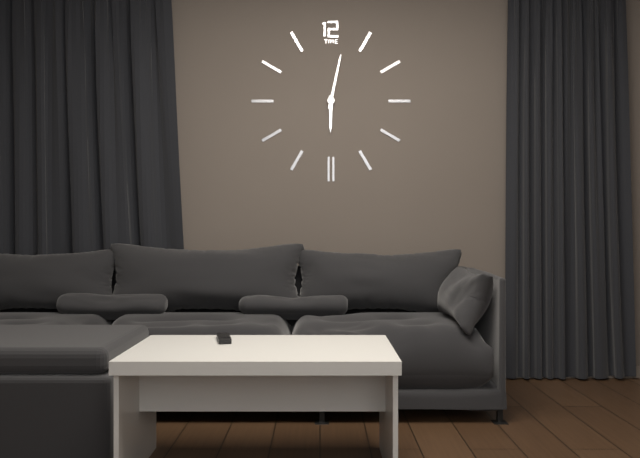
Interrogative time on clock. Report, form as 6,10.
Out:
6,02
